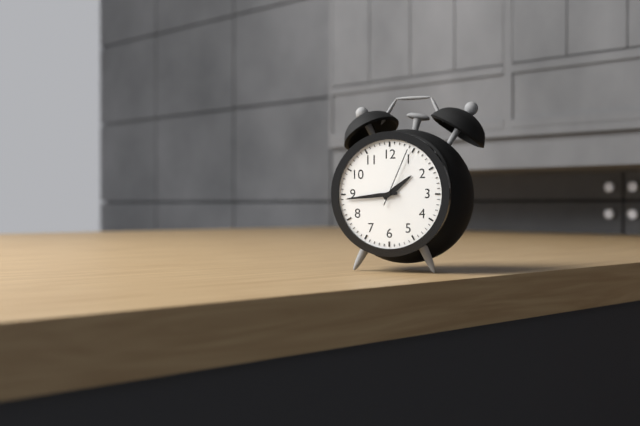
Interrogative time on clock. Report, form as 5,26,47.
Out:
1,44,04
